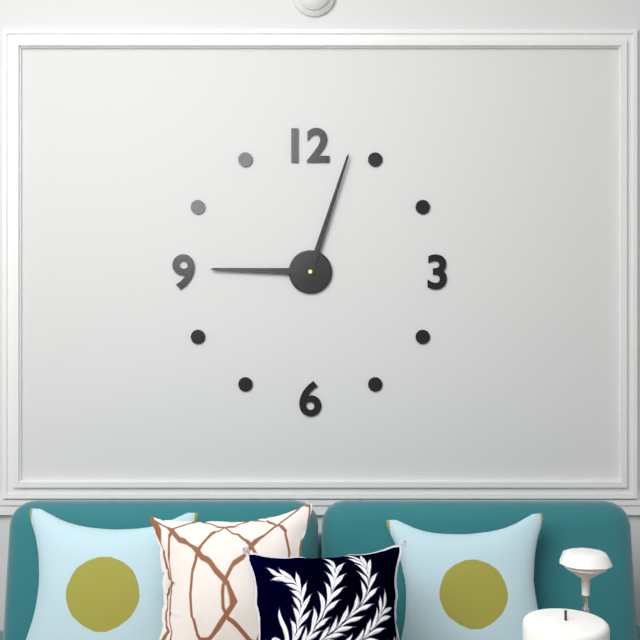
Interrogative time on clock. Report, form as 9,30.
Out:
9,03
